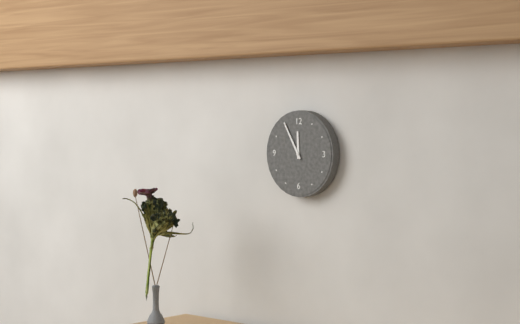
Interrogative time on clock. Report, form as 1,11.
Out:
11,55
